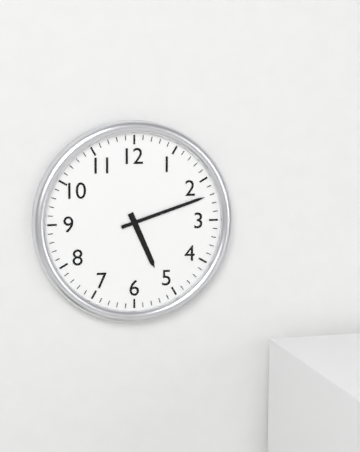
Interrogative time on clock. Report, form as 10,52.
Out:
5,12
